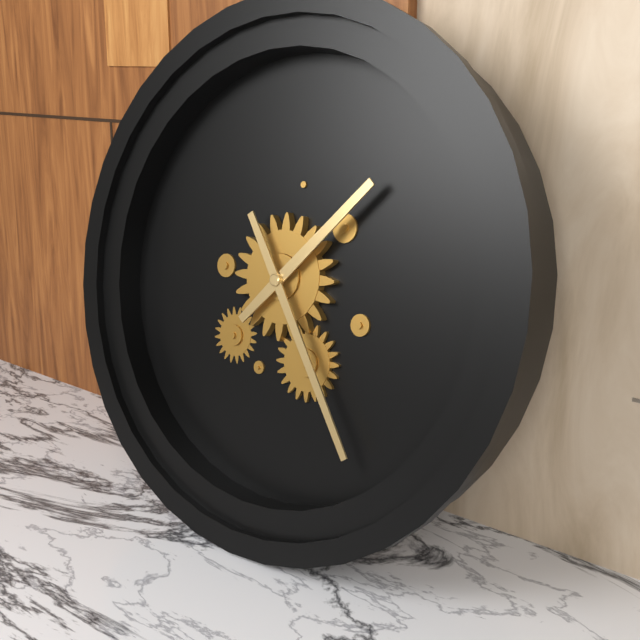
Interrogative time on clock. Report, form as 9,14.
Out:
1,24
